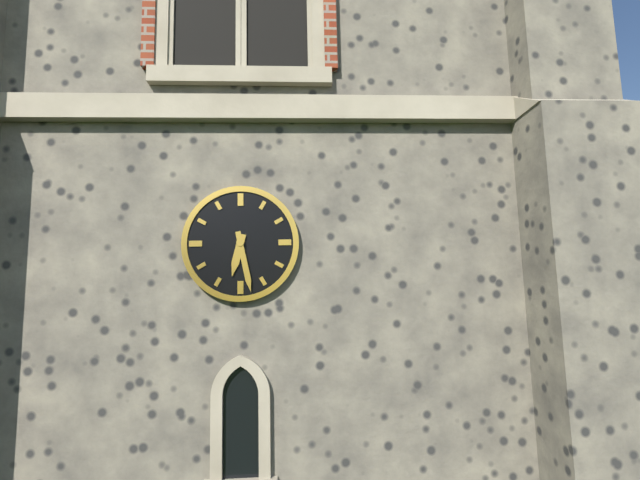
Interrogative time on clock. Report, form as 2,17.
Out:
6,28
